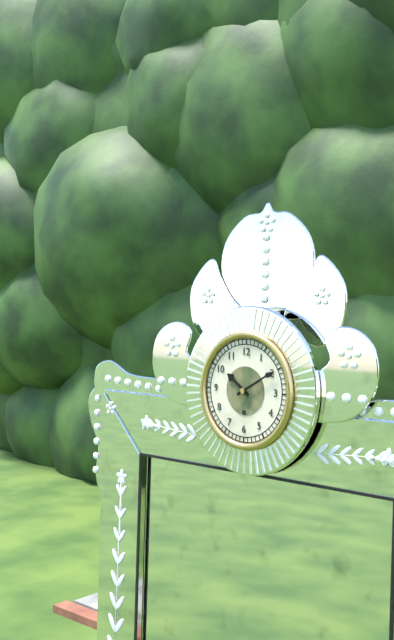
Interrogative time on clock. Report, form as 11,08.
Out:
10,10
